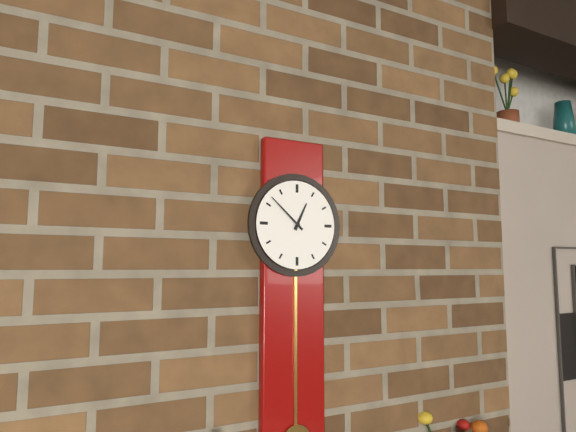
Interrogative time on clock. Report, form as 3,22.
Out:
12,52
